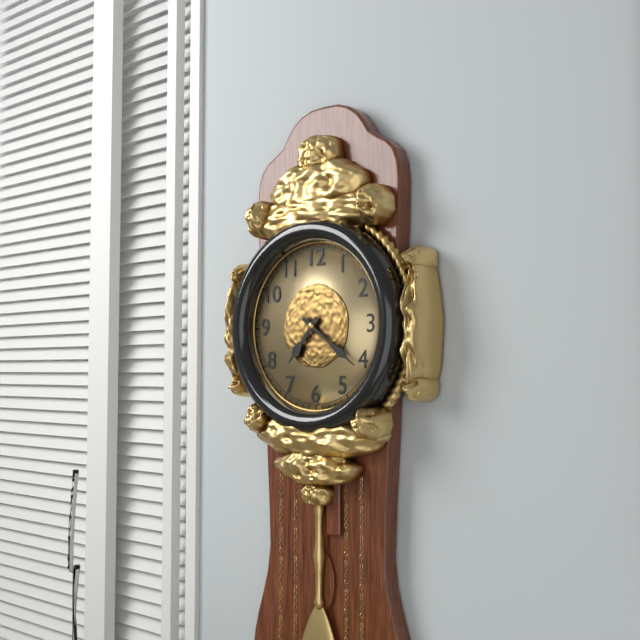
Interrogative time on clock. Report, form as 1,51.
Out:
7,21
